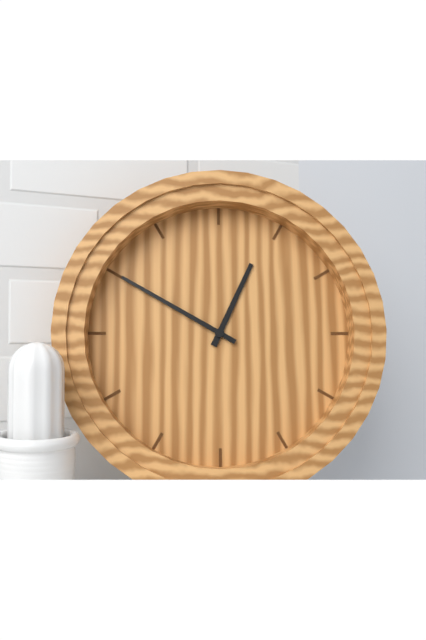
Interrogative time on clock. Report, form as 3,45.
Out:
12,50
